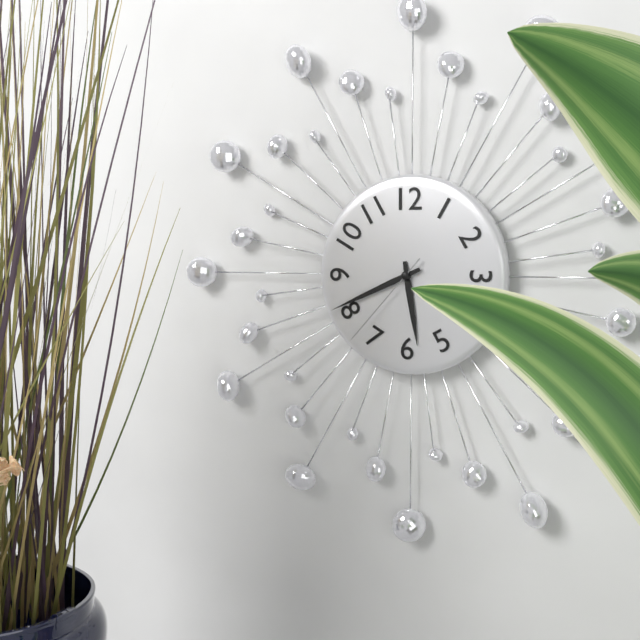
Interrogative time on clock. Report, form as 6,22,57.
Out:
5,41,37
